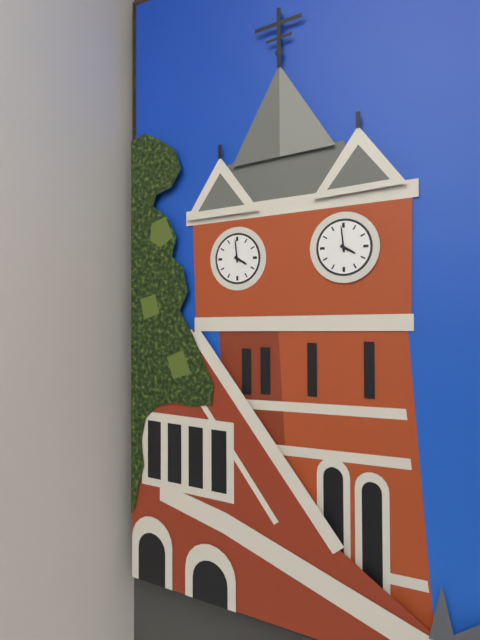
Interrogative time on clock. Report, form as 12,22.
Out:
3,59
